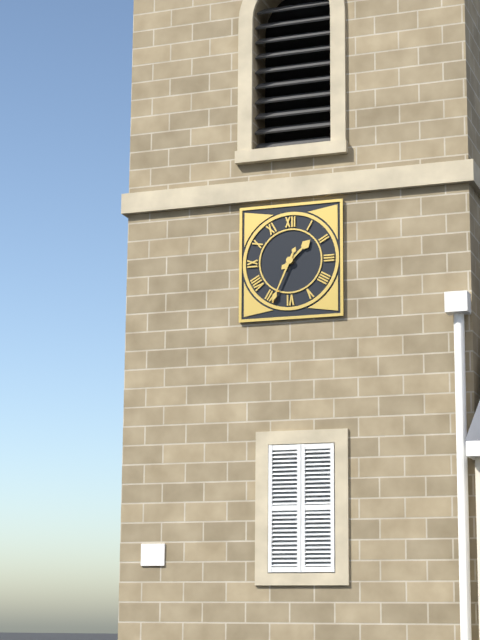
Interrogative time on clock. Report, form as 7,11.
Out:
1,34
